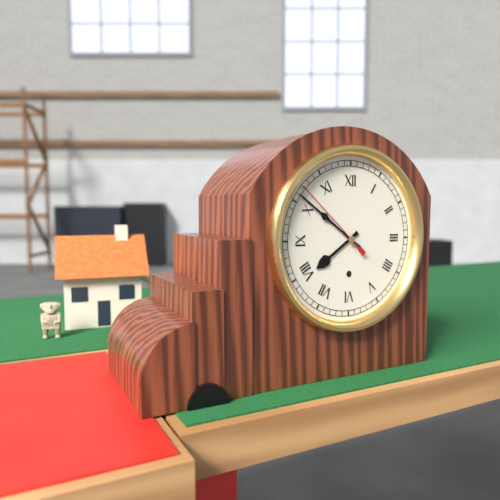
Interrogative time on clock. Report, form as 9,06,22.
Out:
7,51,52
